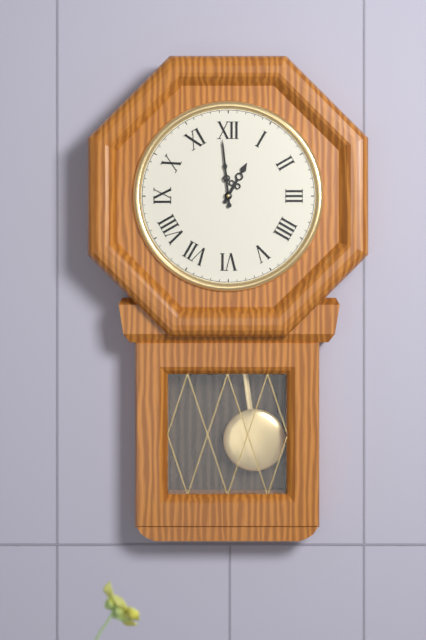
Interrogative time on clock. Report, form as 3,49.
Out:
12,59
